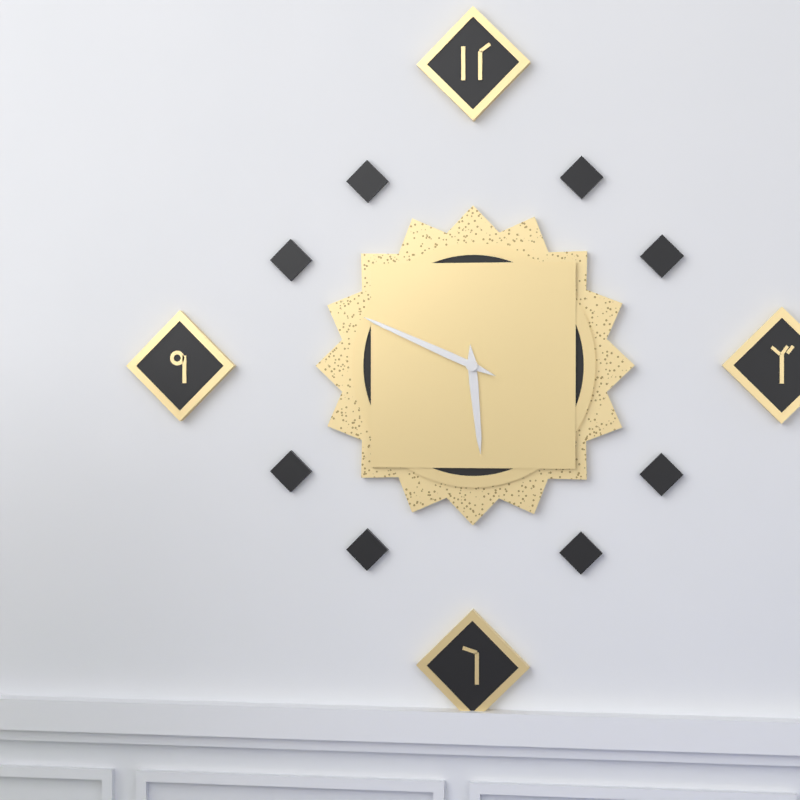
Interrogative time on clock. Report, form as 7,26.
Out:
5,49
